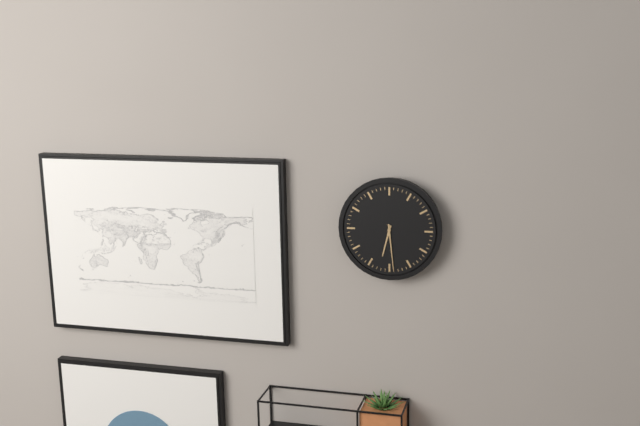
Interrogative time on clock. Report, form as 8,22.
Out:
6,29
